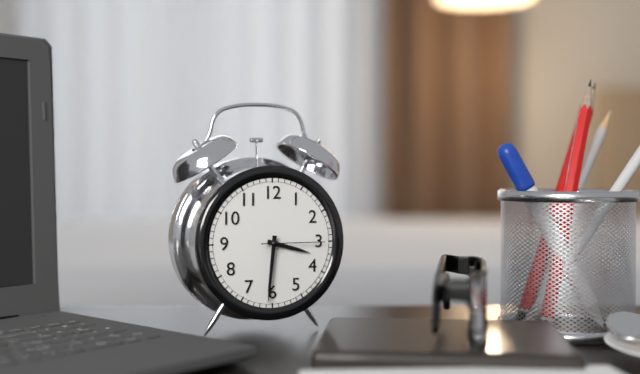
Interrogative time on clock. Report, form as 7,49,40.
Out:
3,31,15
